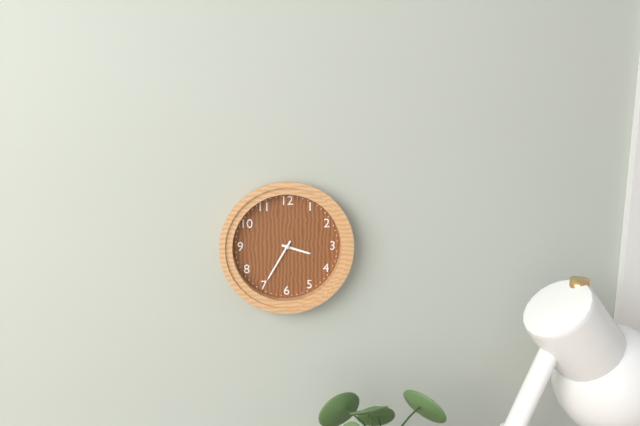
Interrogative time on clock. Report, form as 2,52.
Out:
3,35
